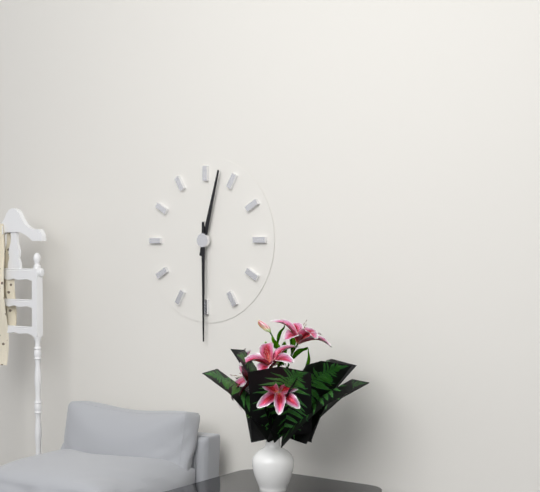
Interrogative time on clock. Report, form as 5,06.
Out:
12,30
